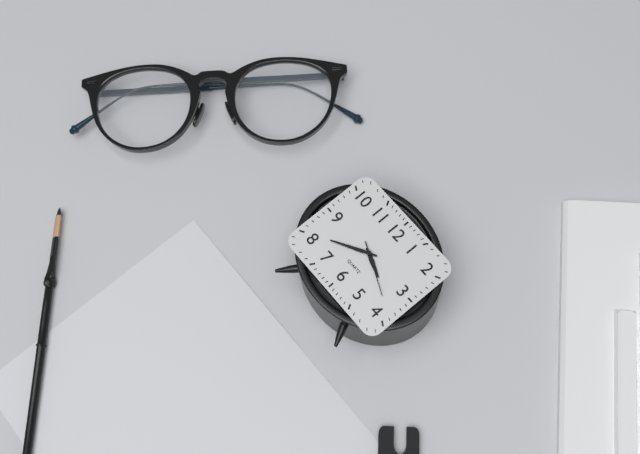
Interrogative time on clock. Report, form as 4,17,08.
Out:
3,40,19
